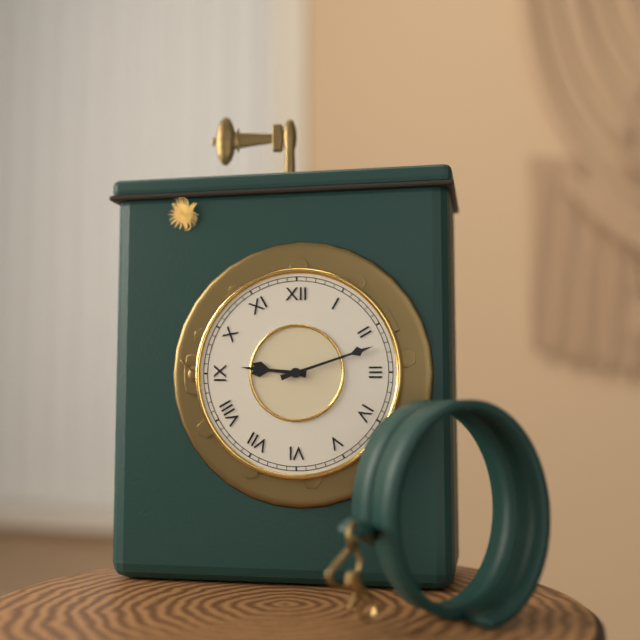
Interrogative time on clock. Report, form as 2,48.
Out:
9,12
